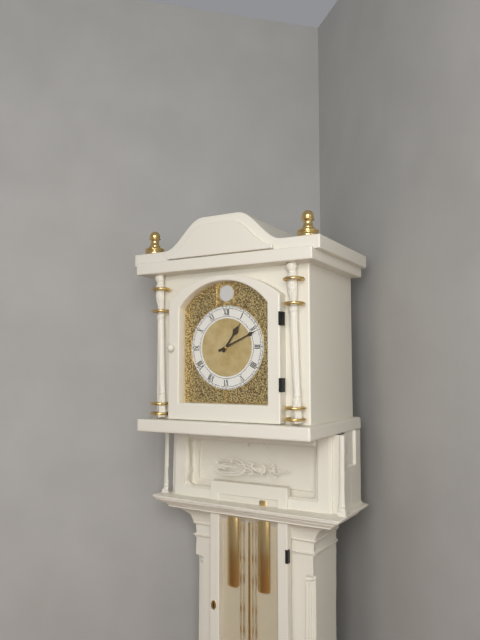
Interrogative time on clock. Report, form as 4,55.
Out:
1,11
